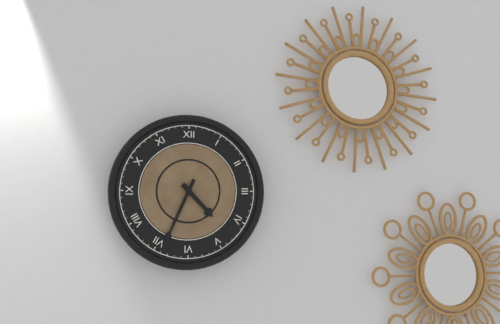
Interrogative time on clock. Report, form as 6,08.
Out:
4,34
